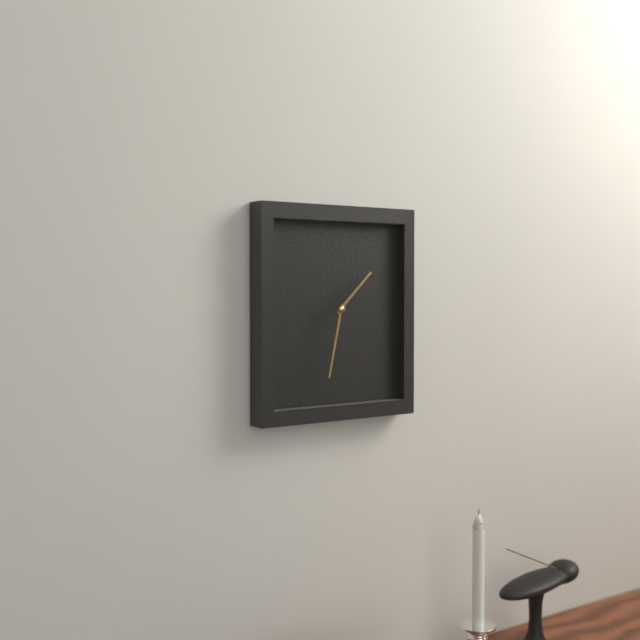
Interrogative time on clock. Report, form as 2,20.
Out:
1,32
